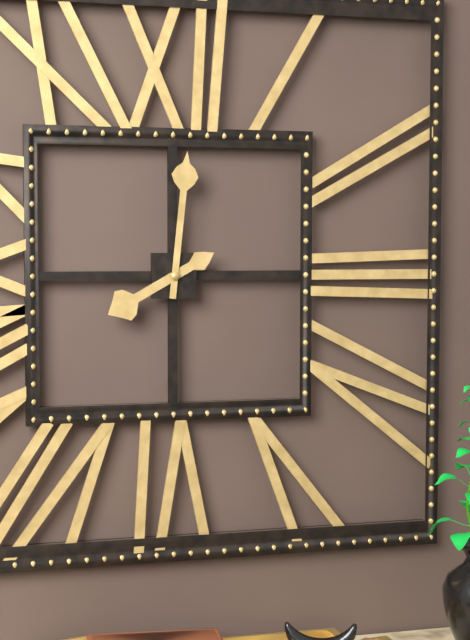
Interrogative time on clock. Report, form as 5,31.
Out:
8,01
